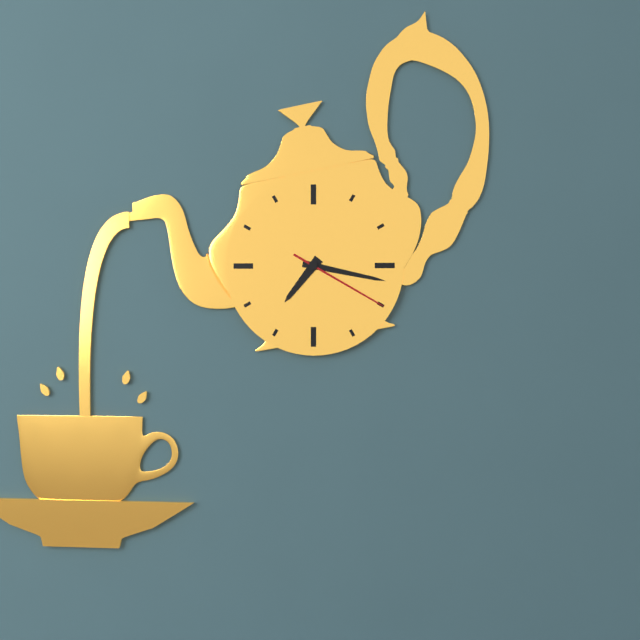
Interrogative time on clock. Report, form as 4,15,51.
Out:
7,17,20
